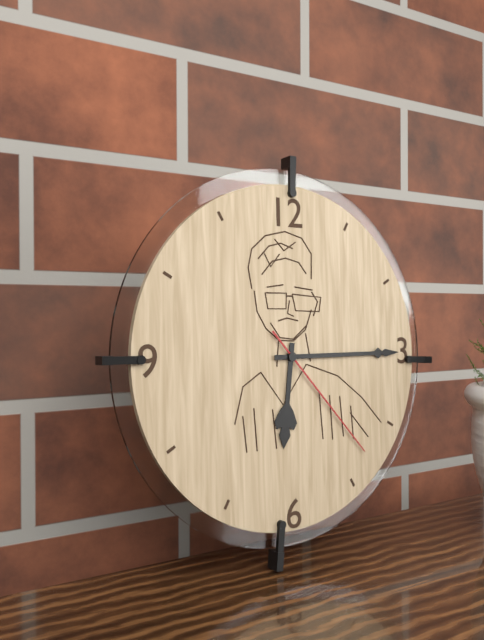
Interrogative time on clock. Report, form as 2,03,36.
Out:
6,15,23
